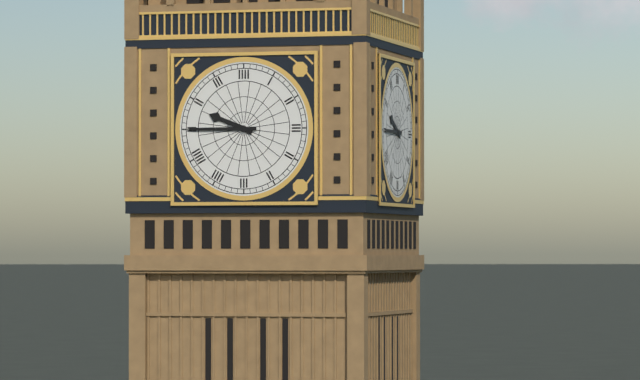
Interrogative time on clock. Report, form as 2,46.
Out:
9,45
